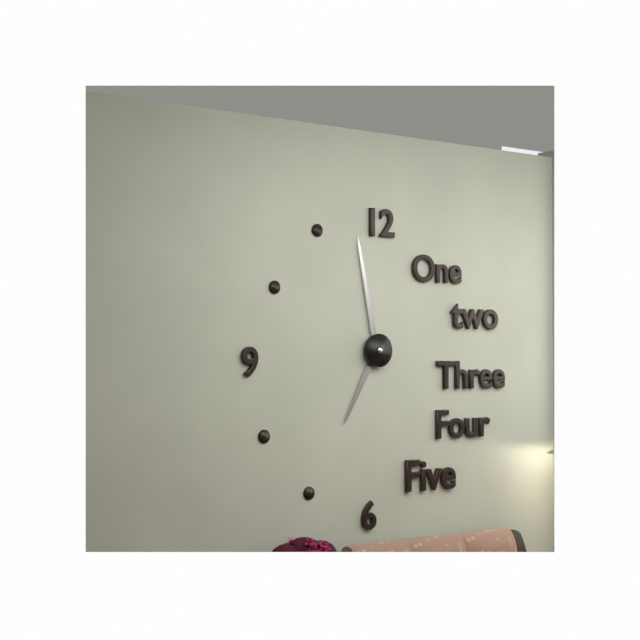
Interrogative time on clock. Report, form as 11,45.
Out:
6,58
